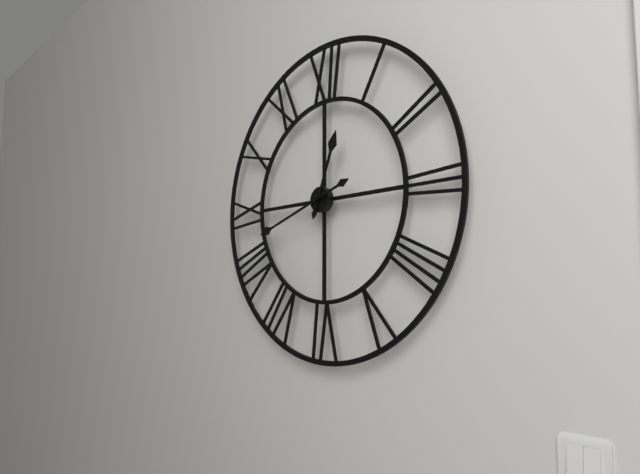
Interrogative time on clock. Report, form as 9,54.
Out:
12,42
